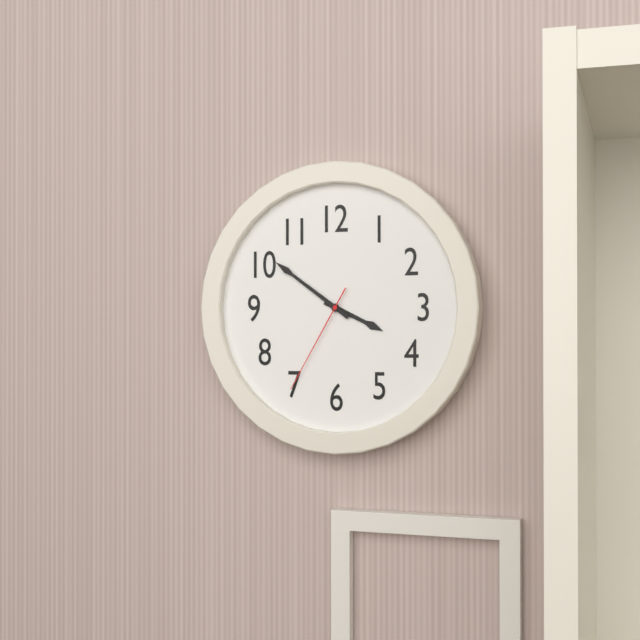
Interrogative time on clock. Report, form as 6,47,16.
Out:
3,51,35
